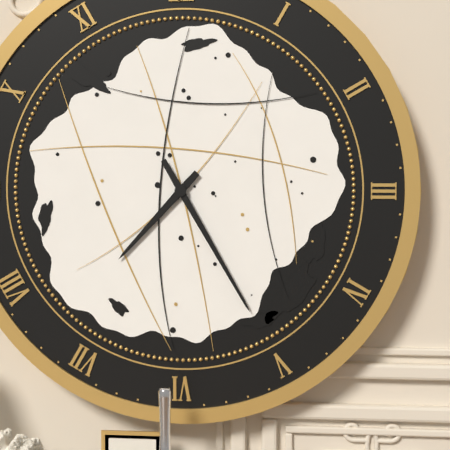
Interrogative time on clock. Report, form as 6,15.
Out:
7,25
